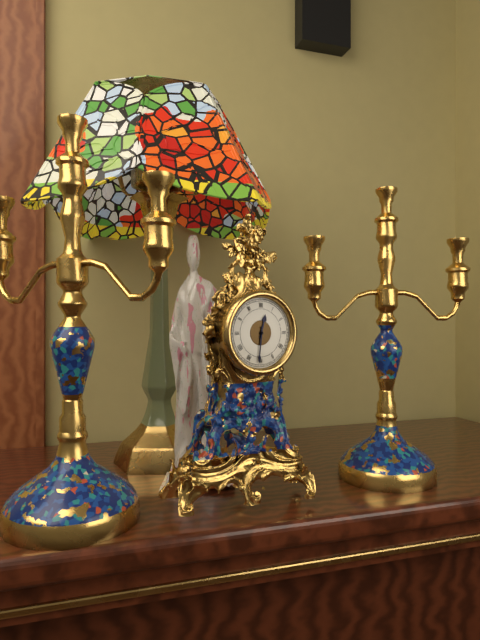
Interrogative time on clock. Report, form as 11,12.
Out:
12,31
